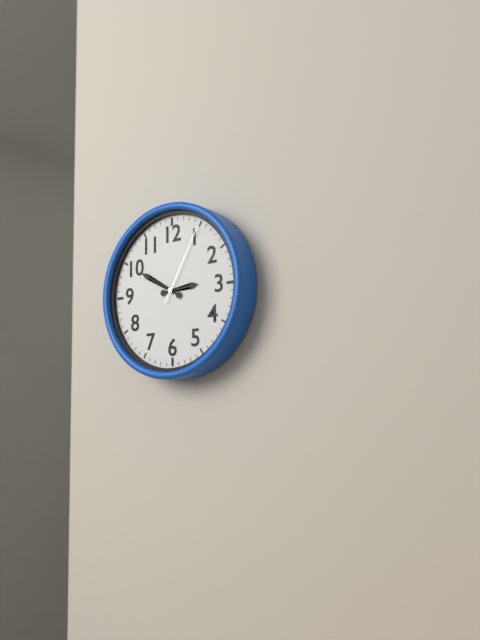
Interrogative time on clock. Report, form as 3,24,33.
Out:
2,50,05
